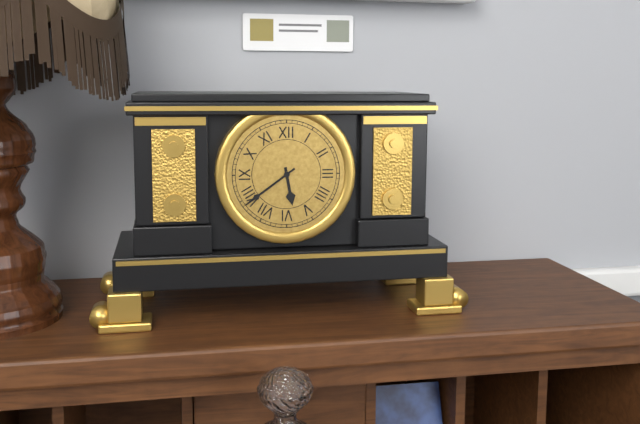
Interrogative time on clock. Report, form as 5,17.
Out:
5,39
